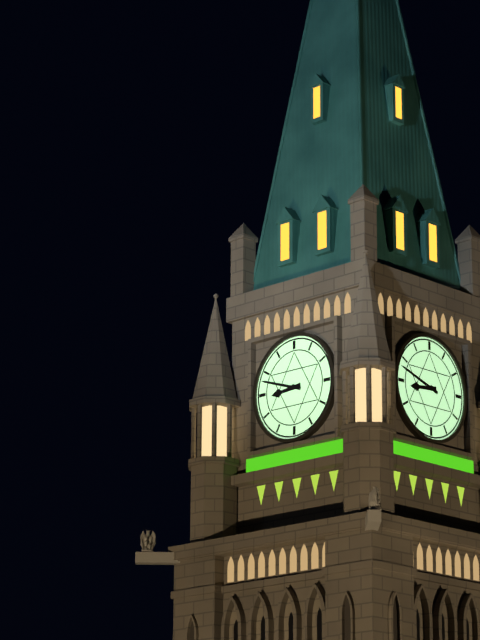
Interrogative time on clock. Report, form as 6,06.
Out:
8,48
